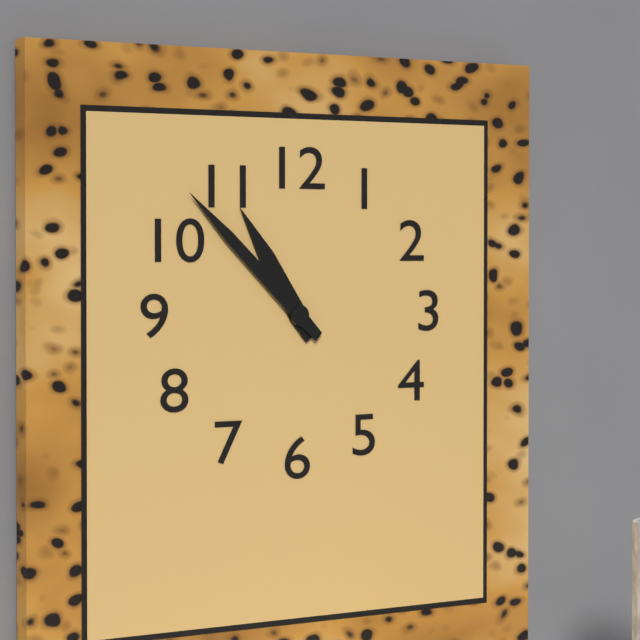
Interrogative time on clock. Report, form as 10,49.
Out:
10,52
